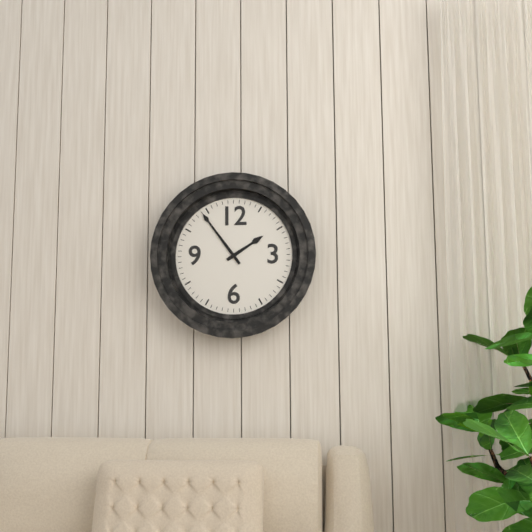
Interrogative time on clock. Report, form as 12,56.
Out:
1,54
